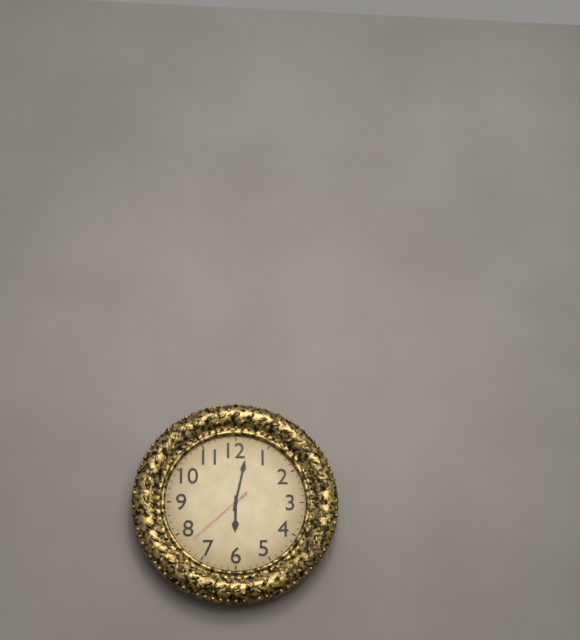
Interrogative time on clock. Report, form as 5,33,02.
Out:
6,02,38
